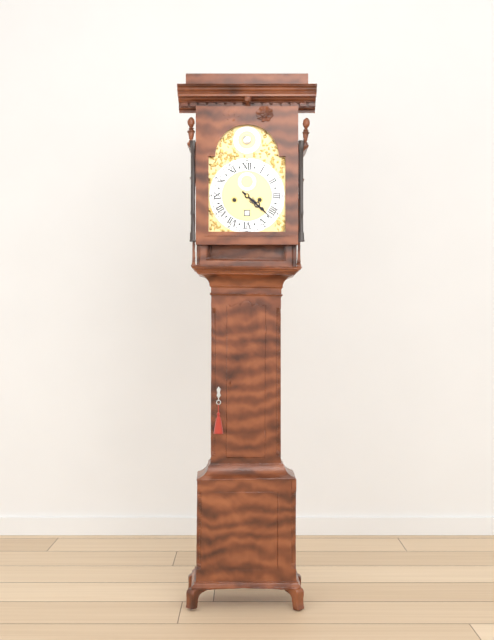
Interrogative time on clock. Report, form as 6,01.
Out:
4,22
